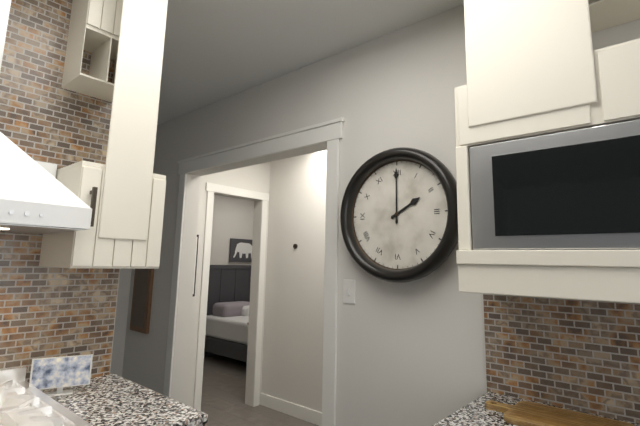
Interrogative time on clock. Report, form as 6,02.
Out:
2,00
